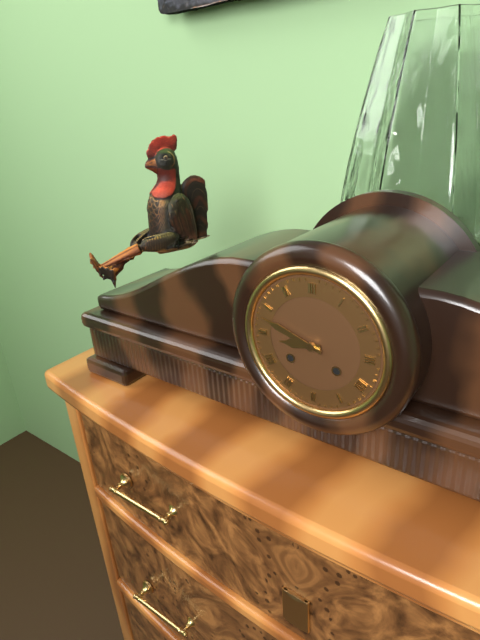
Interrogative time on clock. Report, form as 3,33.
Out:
8,48
